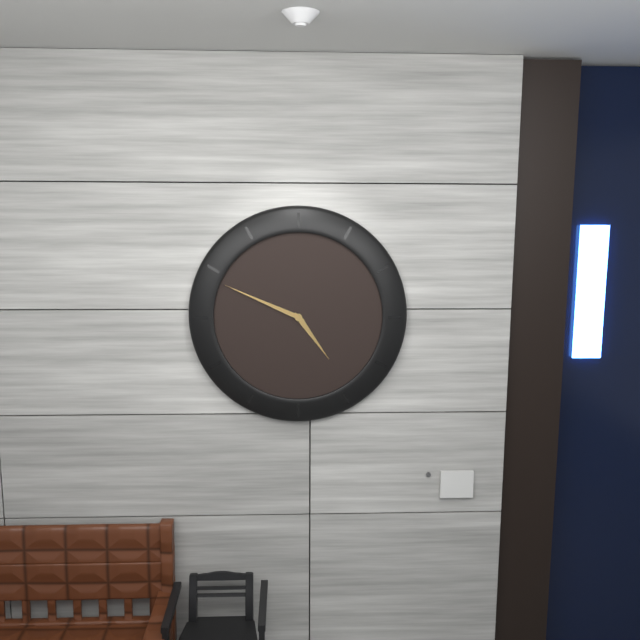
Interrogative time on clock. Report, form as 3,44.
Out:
4,49
